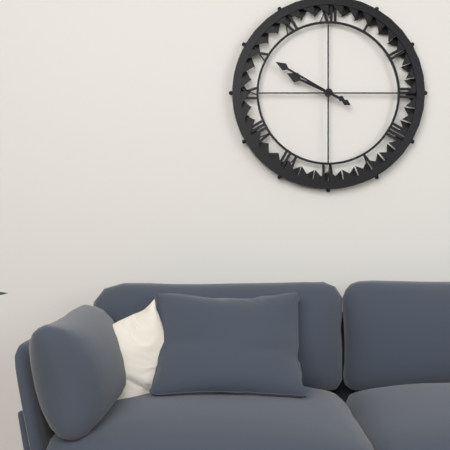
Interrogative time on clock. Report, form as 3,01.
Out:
9,50
